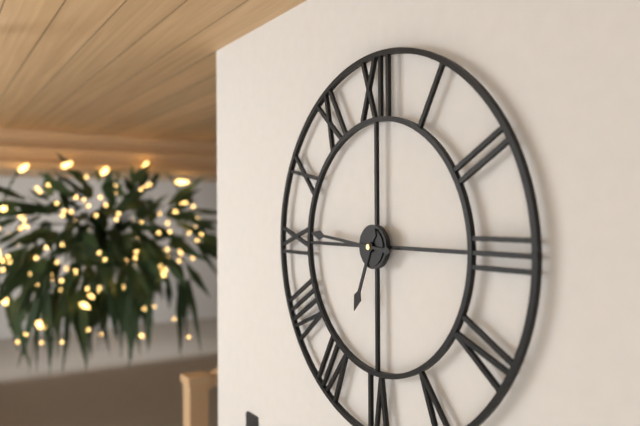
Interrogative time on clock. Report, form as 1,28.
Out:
6,46
